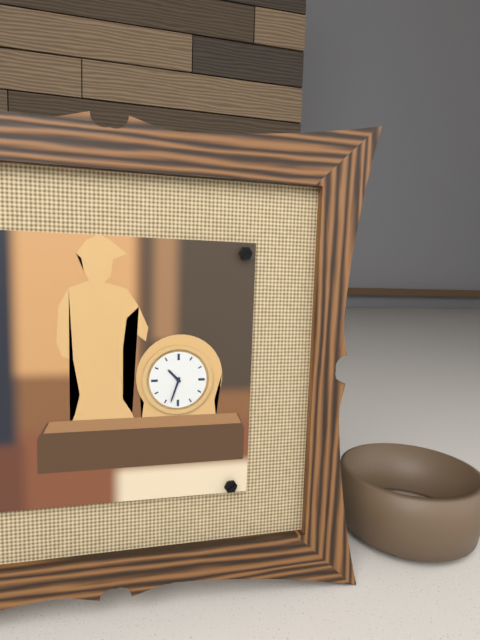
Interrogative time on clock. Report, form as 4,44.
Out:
10,33
